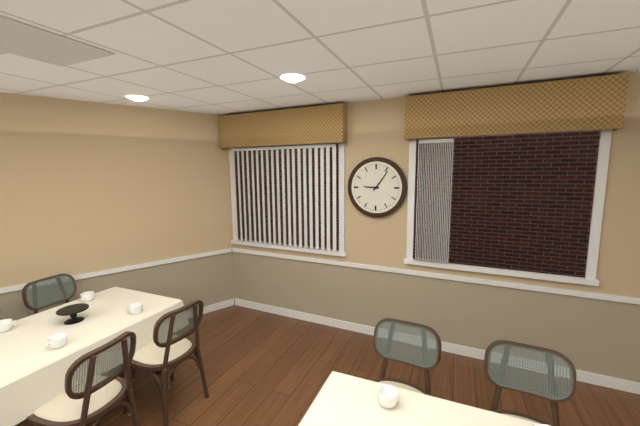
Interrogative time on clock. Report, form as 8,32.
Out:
9,06
